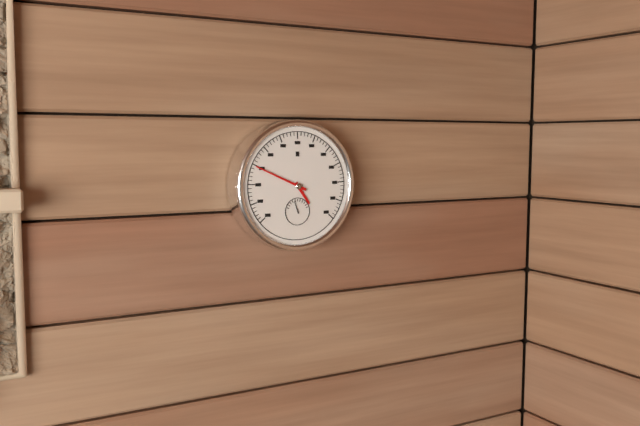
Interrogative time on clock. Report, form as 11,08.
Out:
4,49
